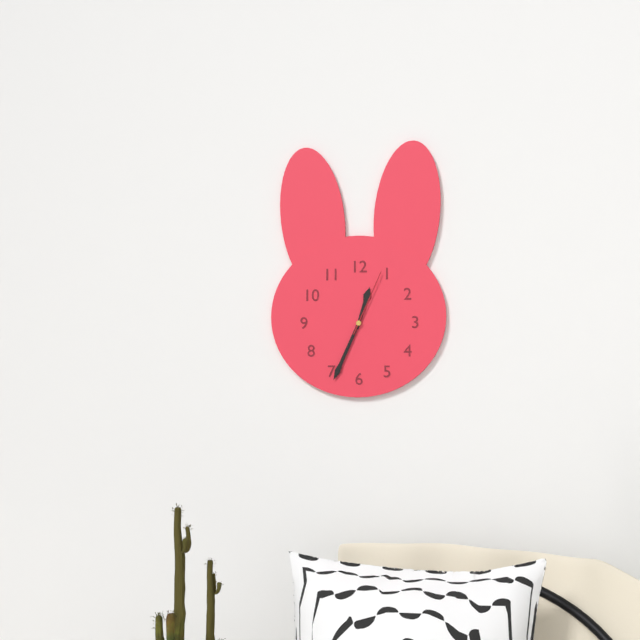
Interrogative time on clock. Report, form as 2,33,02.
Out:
12,34,04
